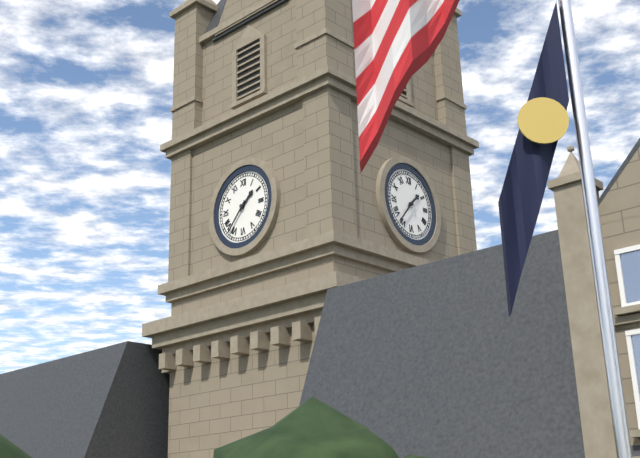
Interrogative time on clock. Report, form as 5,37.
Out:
1,37
